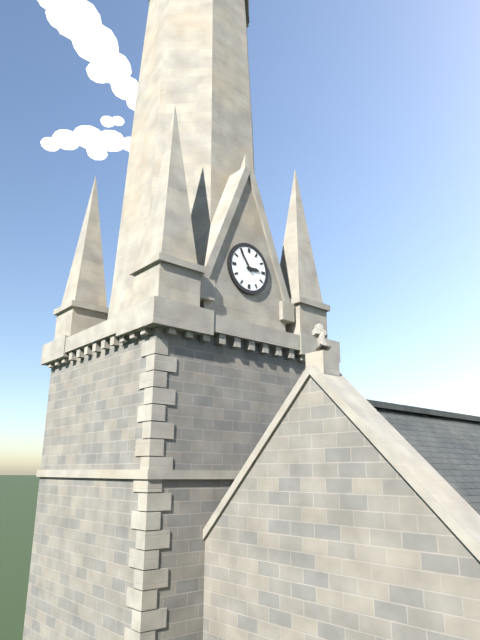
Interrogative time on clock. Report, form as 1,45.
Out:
2,54
